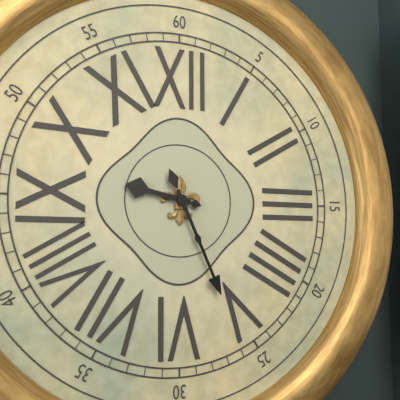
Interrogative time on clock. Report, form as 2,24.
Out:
9,26
